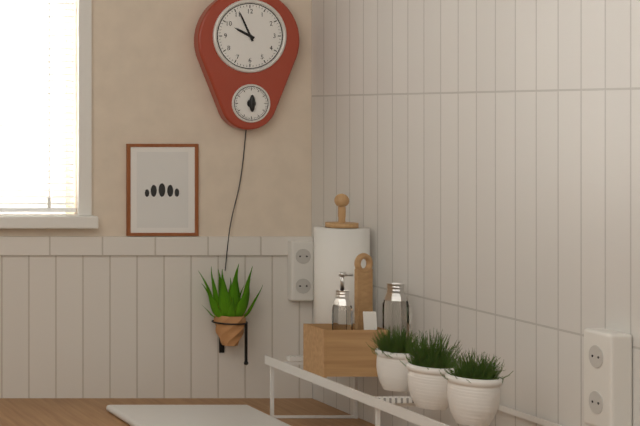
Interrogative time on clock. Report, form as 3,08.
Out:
9,56
